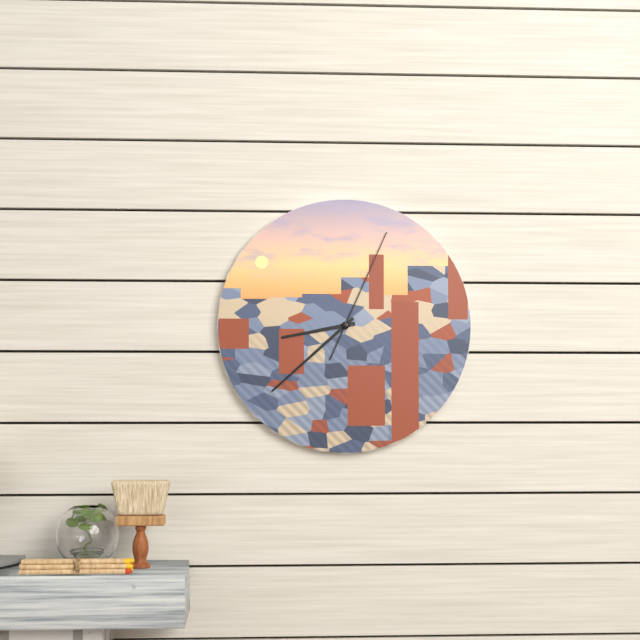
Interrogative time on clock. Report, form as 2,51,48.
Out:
8,38,04
